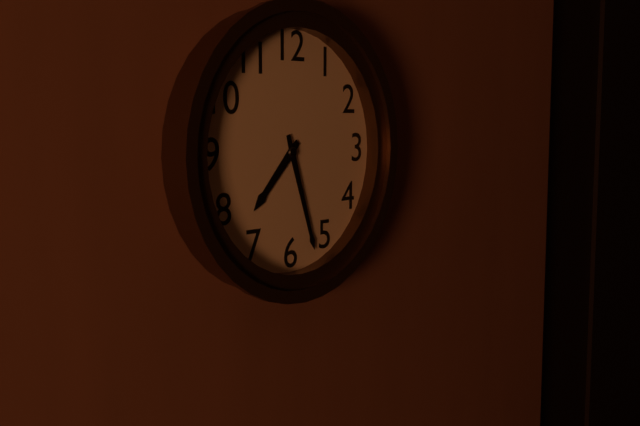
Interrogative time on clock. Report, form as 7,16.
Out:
7,27
